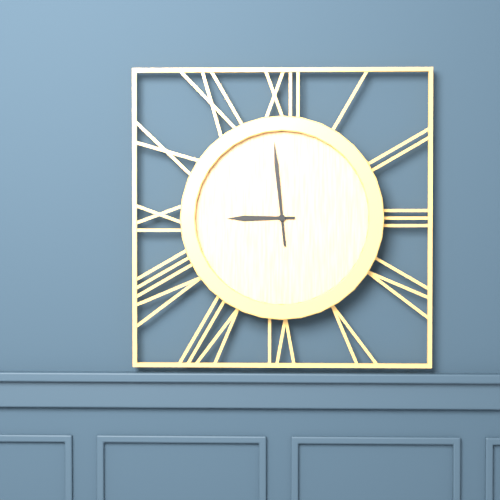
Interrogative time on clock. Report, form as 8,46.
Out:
8,59
